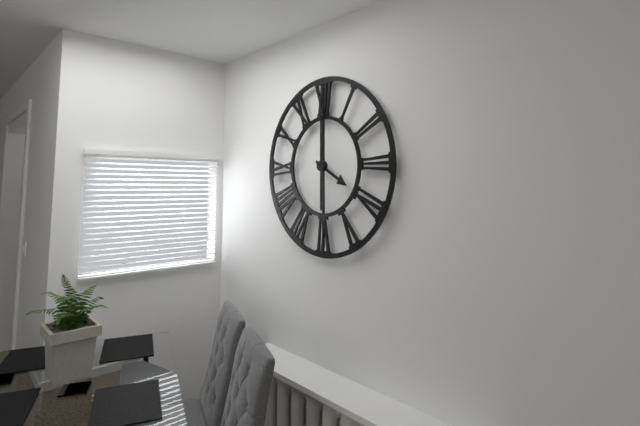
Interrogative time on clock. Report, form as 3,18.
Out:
4,00
